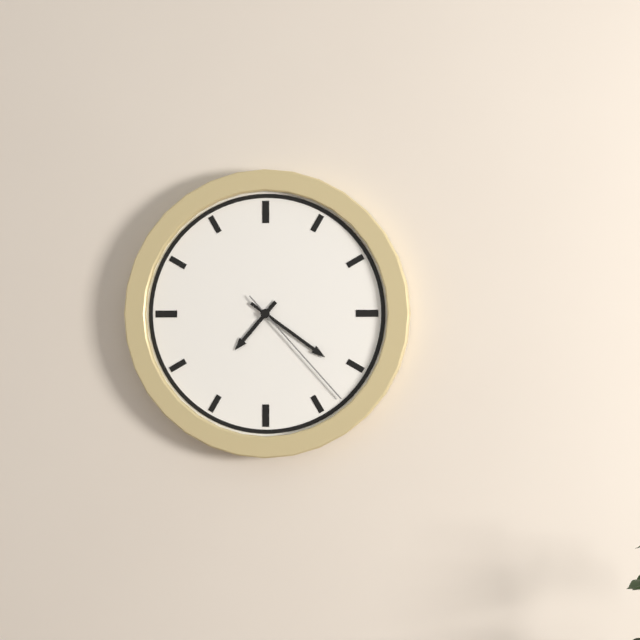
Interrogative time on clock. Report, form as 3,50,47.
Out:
7,21,23
